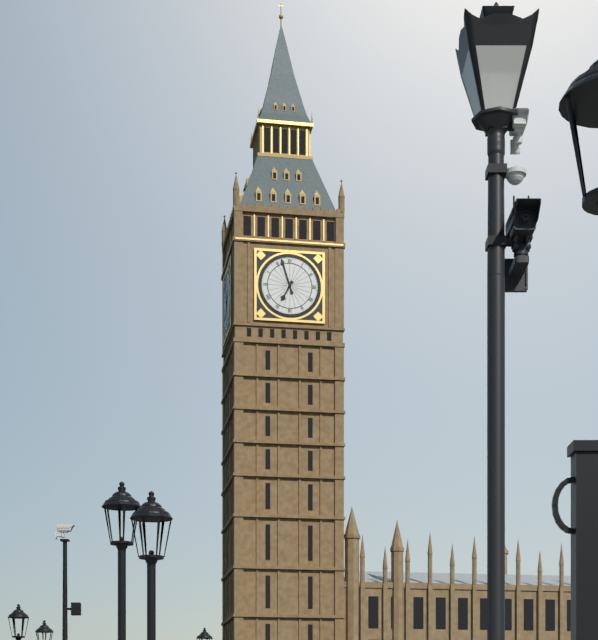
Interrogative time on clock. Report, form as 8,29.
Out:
6,57
